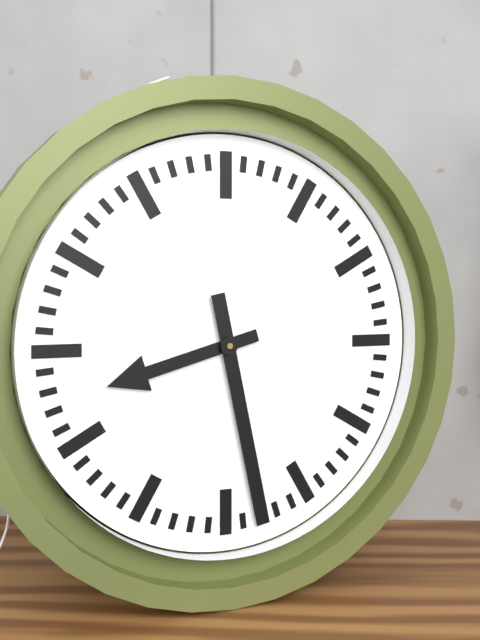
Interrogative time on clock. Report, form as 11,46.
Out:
8,28
